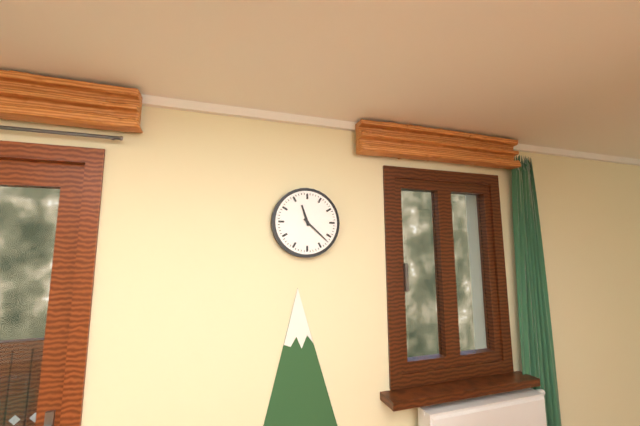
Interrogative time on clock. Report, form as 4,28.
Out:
11,22
